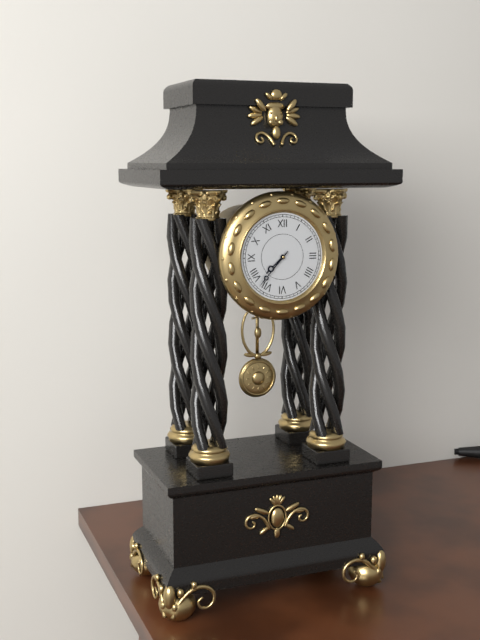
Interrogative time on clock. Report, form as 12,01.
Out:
7,37
